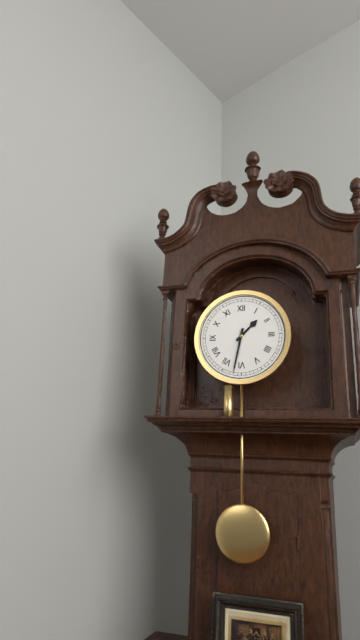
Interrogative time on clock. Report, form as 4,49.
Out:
1,32
